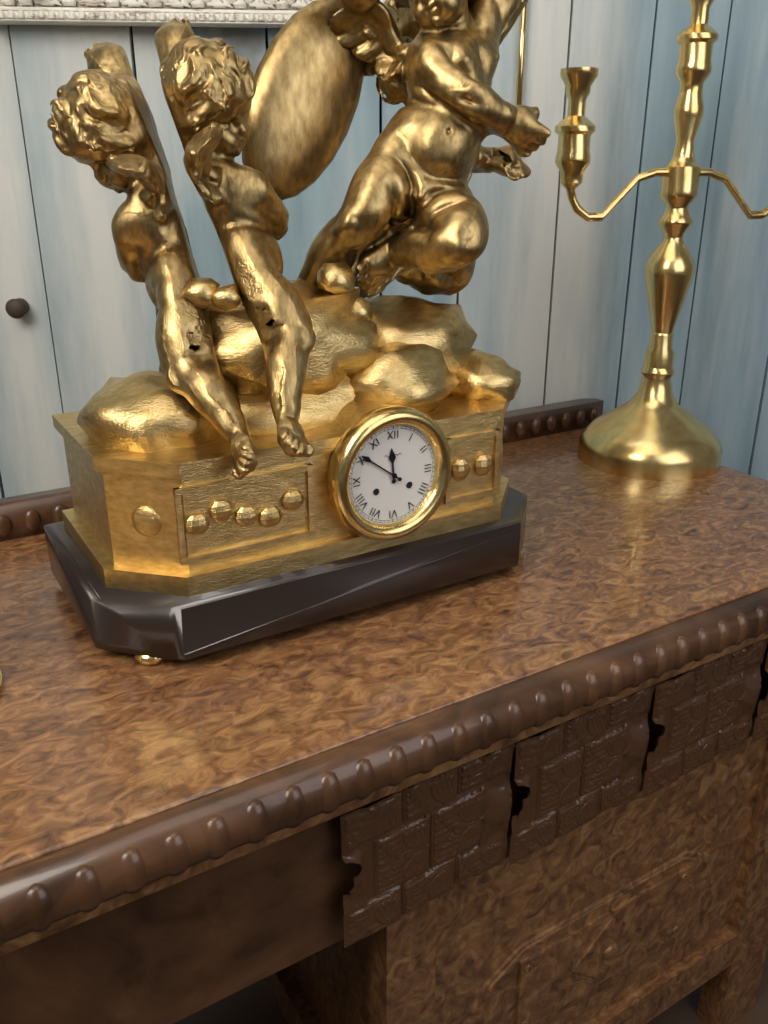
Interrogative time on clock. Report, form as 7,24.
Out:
11,51
